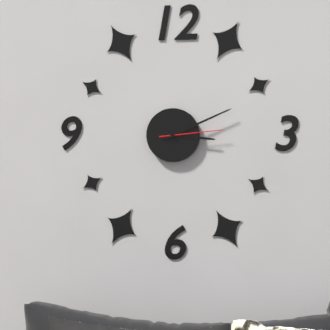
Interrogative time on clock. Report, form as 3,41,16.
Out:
3,11,14
